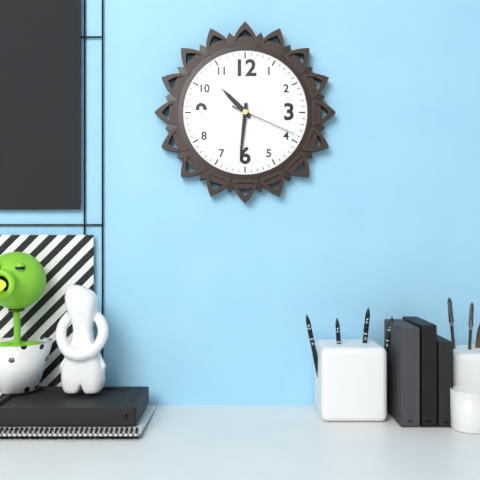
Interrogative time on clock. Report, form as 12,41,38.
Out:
10,31,19
